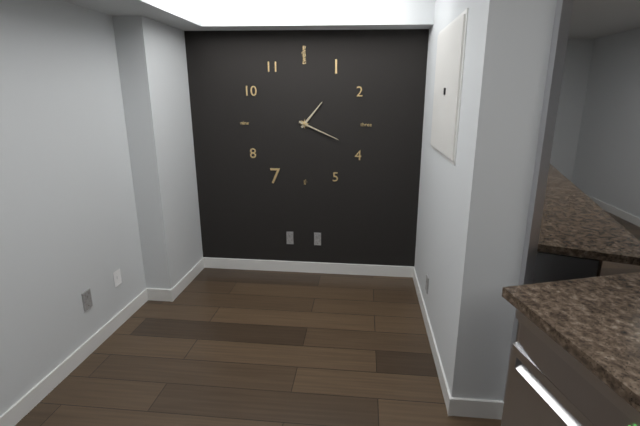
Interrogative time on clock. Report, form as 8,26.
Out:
1,19
